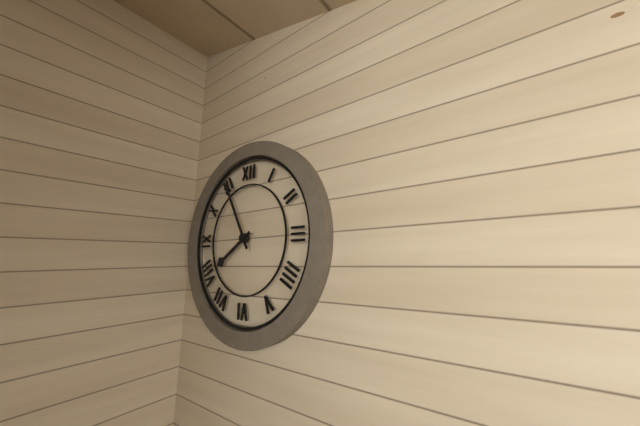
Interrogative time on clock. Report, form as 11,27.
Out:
7,55
